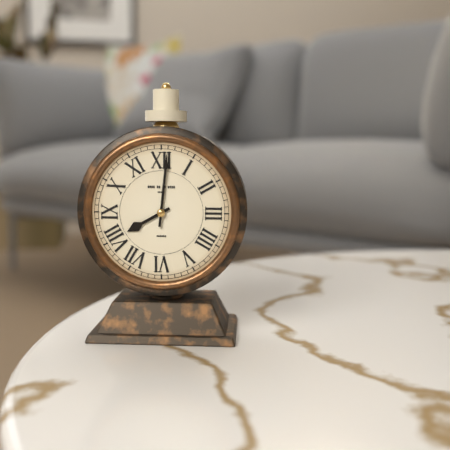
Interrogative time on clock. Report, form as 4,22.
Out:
8,01
